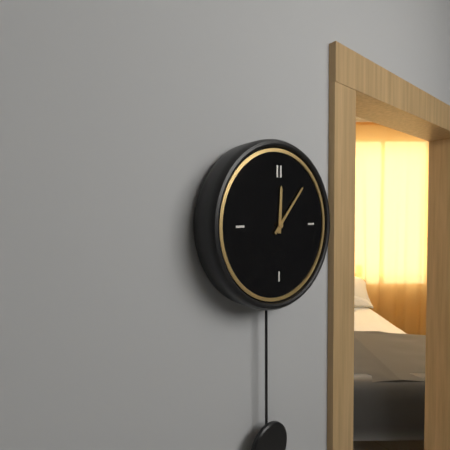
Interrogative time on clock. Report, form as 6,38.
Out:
12,07
